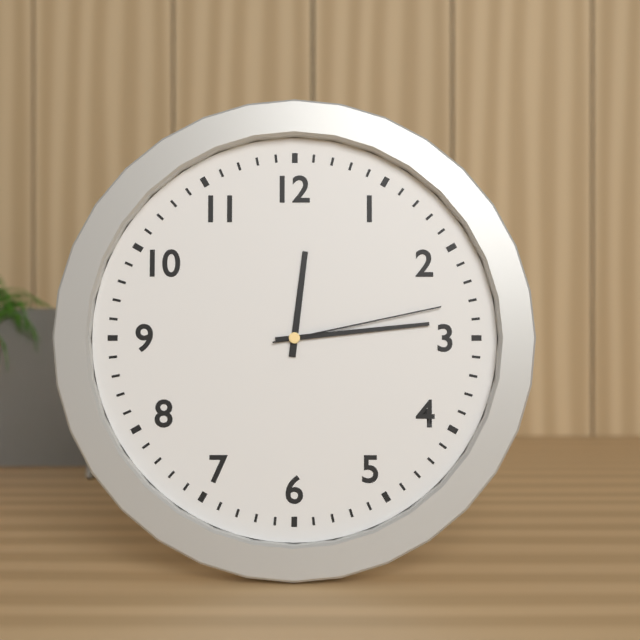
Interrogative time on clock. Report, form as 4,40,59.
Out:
12,14,13
